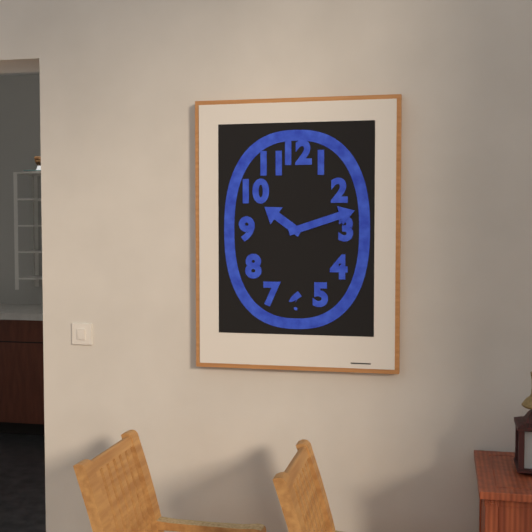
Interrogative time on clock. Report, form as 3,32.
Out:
10,12
